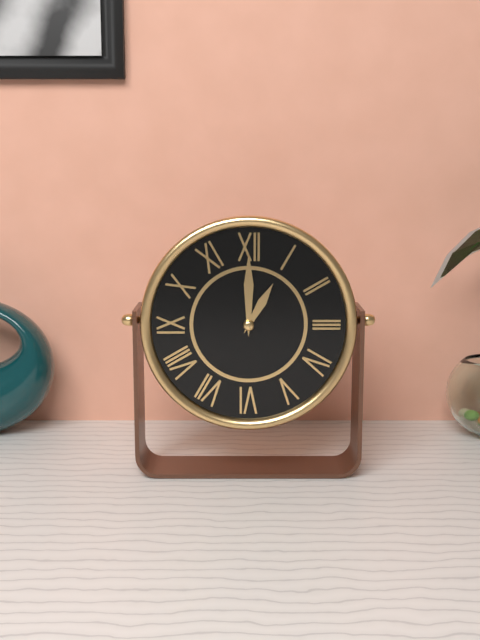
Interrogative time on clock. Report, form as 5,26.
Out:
1,00
